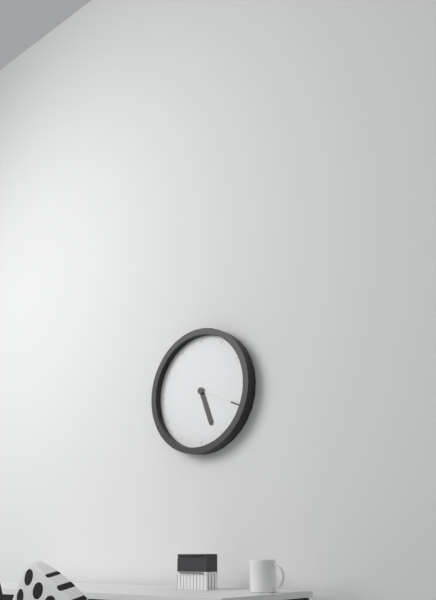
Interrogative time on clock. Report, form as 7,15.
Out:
5,19
